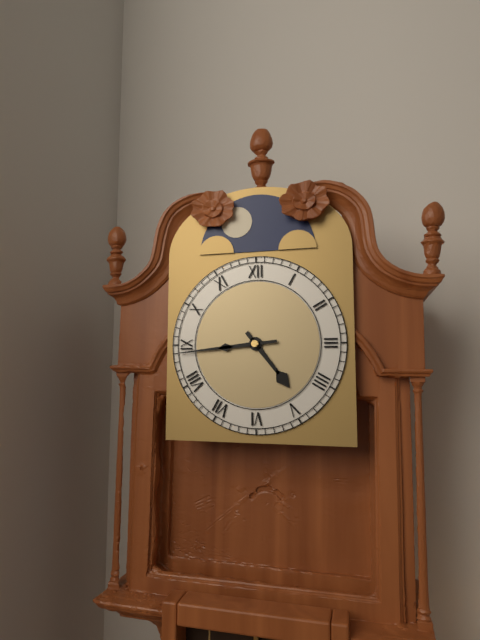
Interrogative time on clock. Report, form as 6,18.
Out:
4,44
